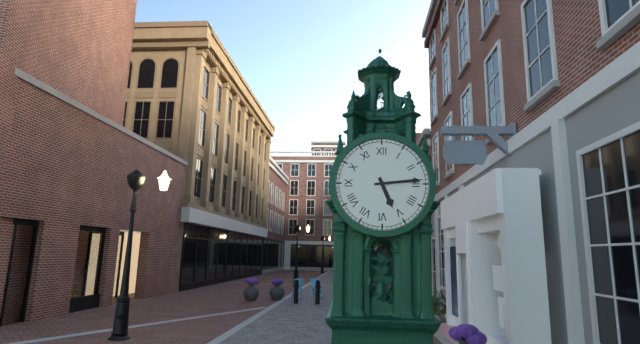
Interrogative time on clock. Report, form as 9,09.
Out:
5,14
